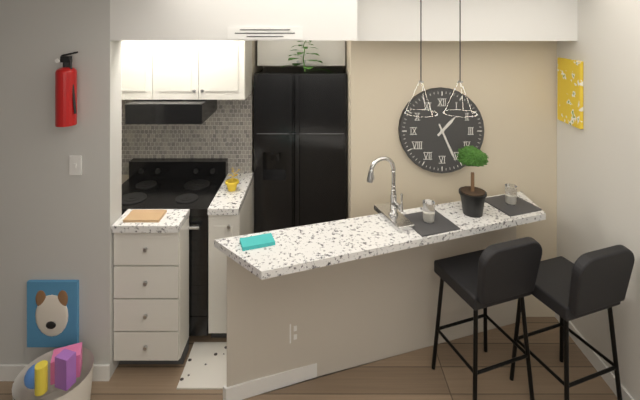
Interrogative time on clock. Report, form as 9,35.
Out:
1,26
